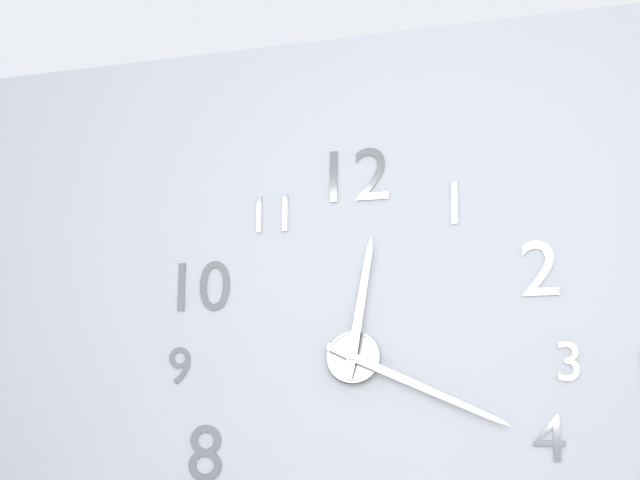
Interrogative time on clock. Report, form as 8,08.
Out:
12,19
